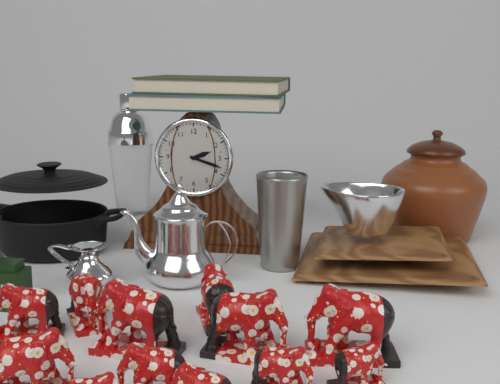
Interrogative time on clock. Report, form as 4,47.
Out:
2,18
